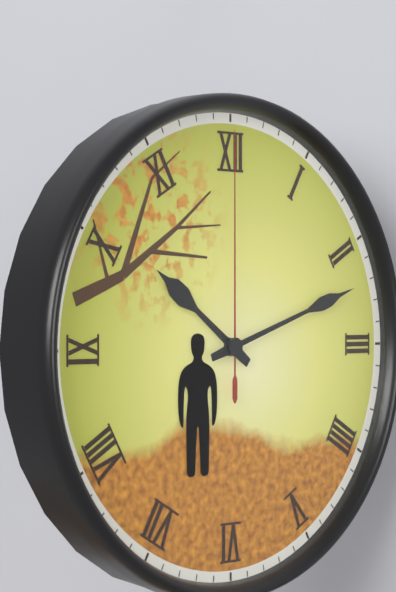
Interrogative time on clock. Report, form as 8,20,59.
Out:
10,12,00
